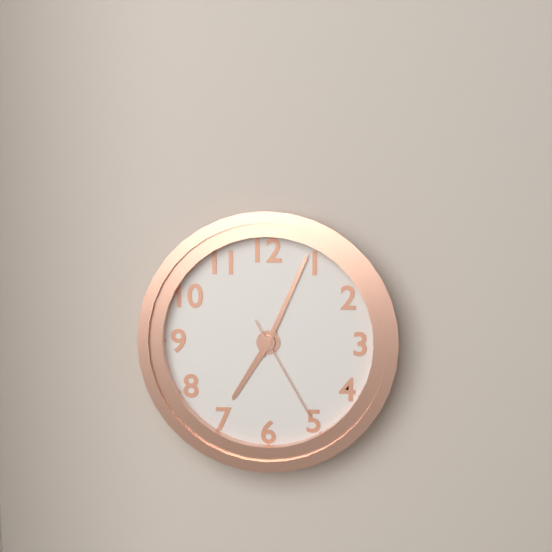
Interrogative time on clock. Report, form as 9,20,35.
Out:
7,04,25
